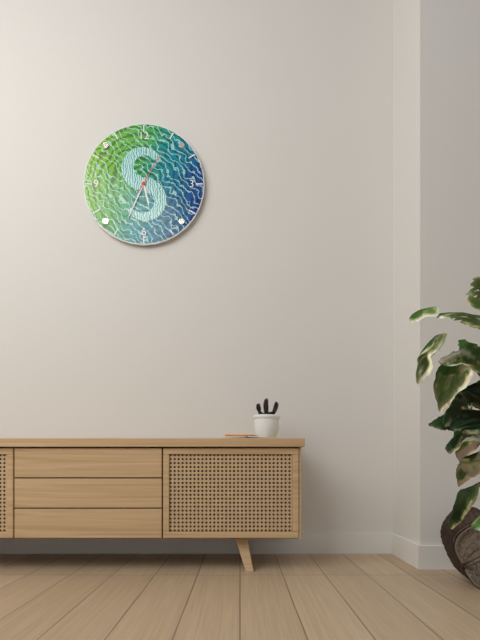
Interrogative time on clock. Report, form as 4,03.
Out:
5,34
